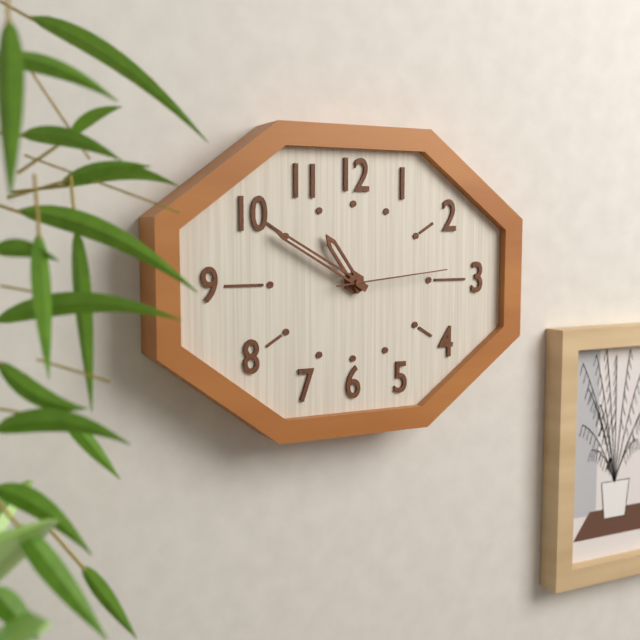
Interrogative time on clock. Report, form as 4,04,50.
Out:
10,50,14
